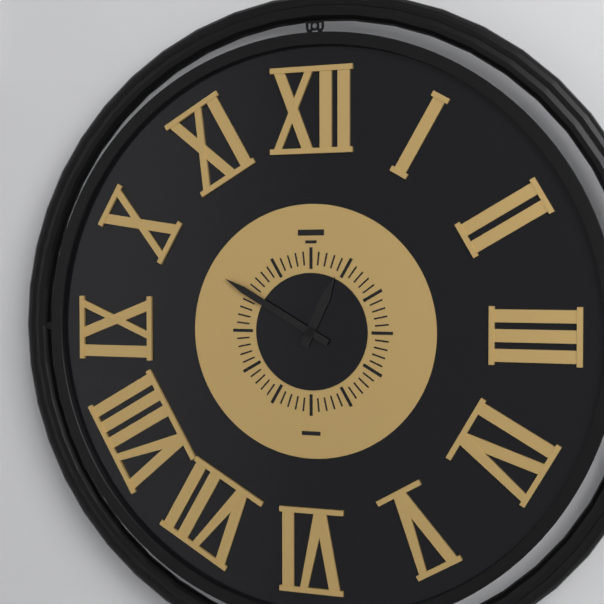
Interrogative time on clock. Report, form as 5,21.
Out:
12,50
